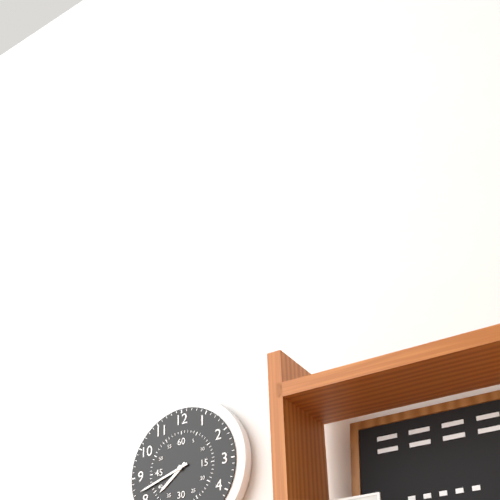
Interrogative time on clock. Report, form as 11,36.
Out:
7,42
